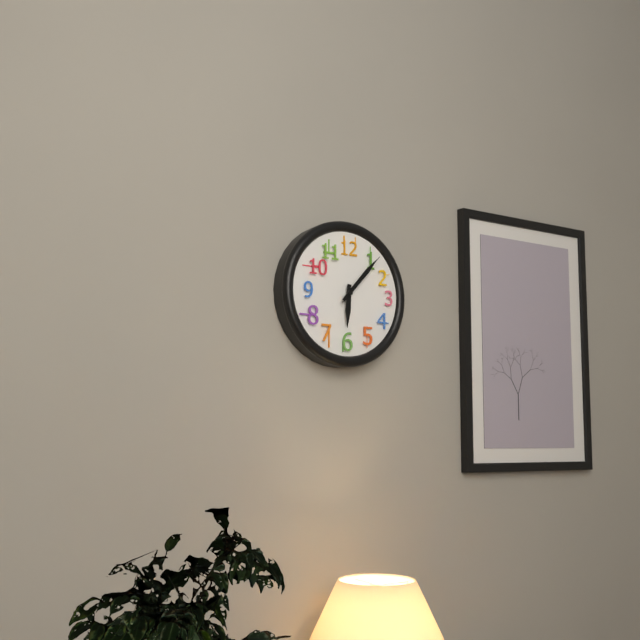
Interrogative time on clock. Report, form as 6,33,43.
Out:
6,07,07
